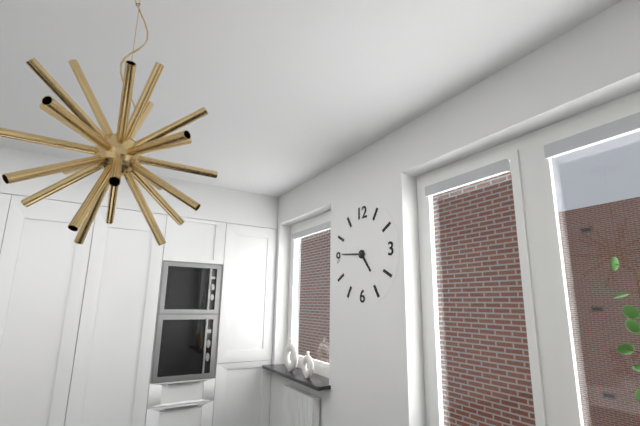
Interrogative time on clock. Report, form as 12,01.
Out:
4,46
